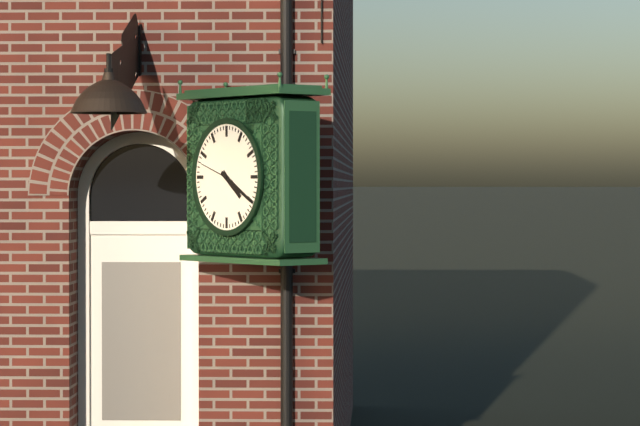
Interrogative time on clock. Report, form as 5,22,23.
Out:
4,20,48
